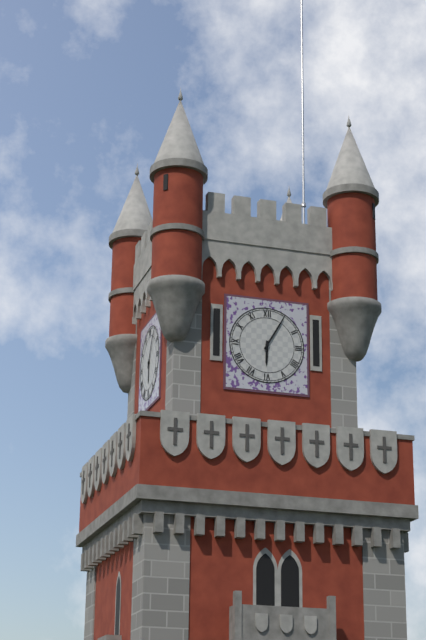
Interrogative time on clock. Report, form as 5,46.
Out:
6,05
